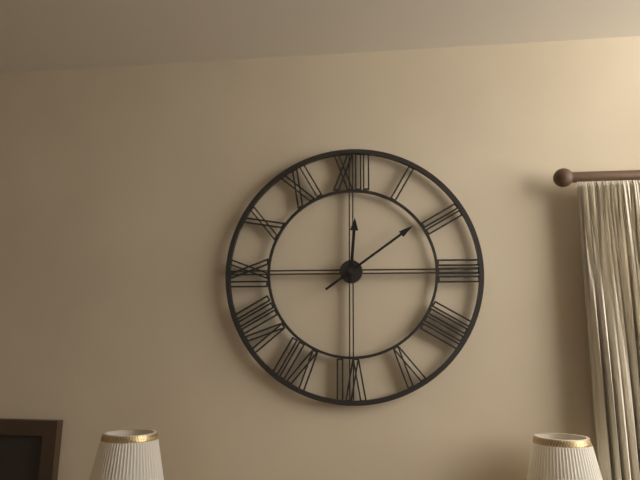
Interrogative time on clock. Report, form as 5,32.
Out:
12,09
